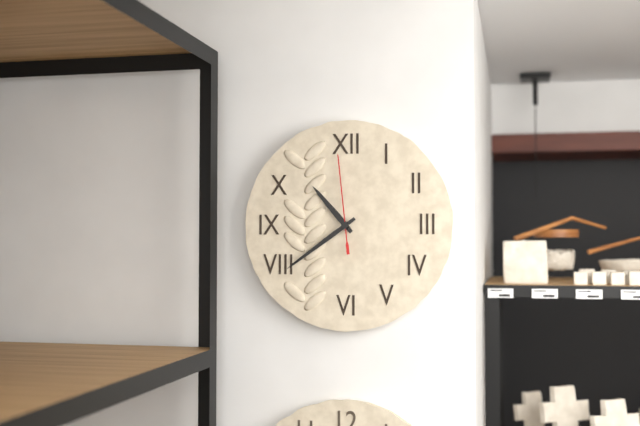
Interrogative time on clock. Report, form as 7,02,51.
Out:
10,39,59
